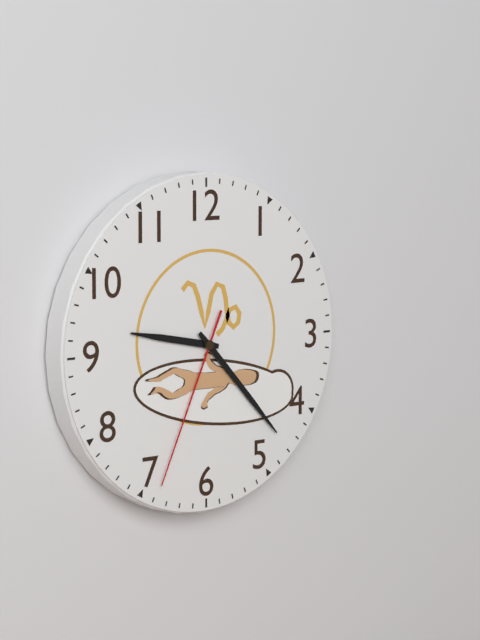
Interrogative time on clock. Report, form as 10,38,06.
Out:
9,23,34
